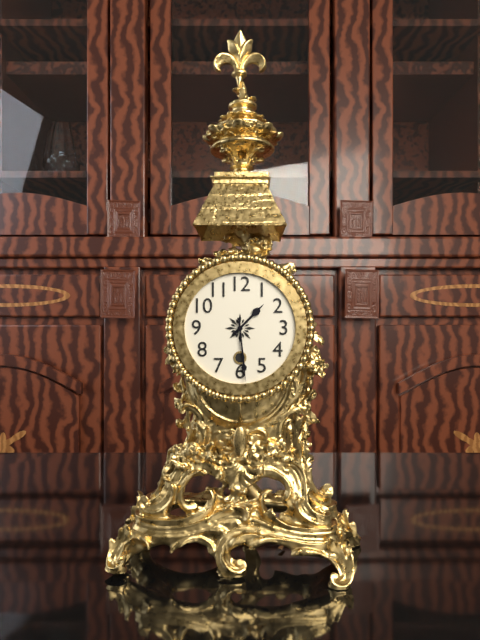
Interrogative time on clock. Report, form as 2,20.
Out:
1,29
